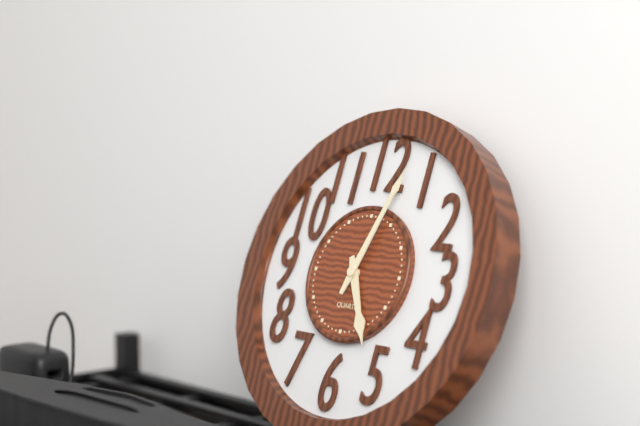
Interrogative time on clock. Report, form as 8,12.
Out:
5,03
